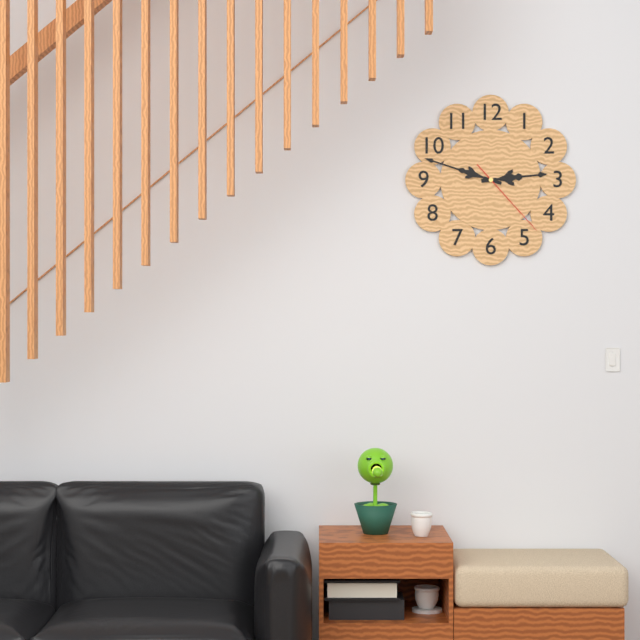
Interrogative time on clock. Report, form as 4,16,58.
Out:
2,48,23
